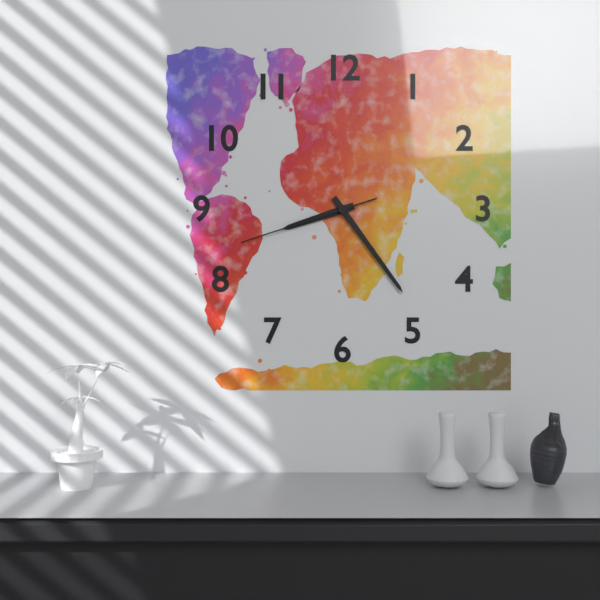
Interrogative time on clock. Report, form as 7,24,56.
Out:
8,24,42
